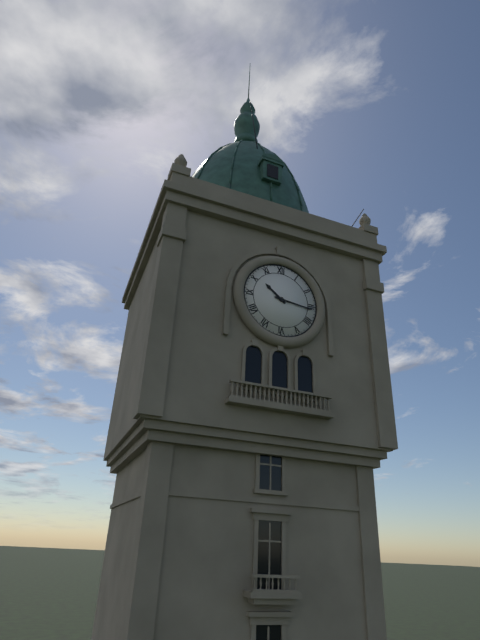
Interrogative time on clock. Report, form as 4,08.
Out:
10,16
